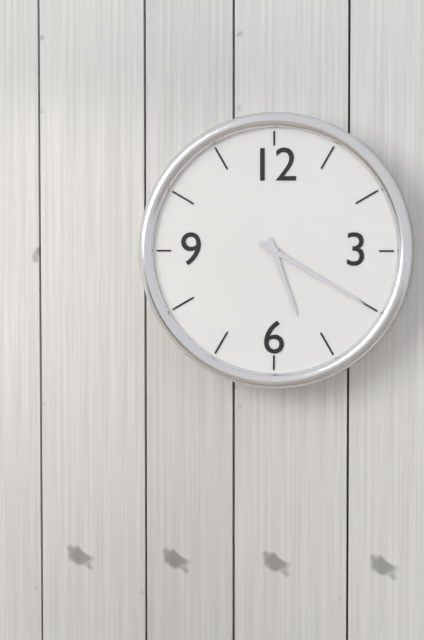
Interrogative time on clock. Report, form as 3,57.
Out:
5,20
